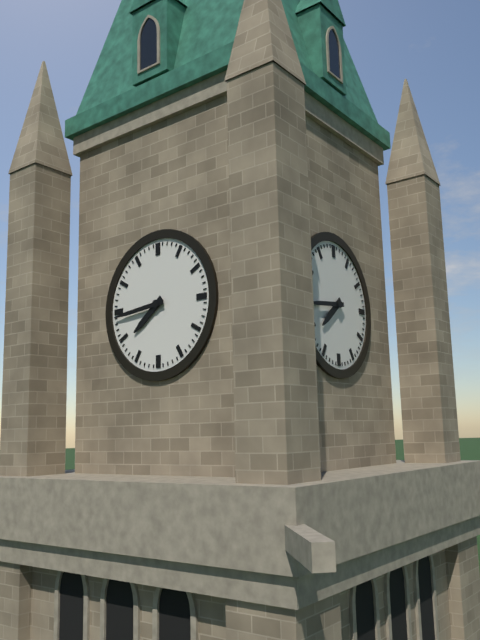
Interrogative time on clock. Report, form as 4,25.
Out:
7,44
